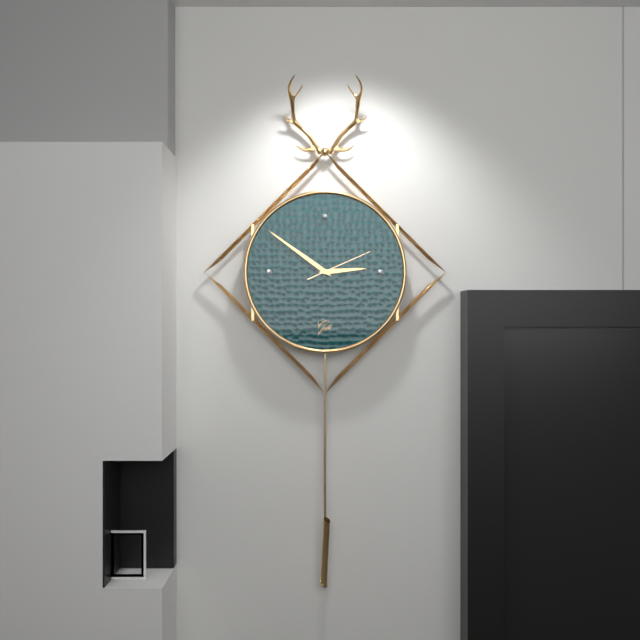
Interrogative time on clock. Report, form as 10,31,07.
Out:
2,51,11
